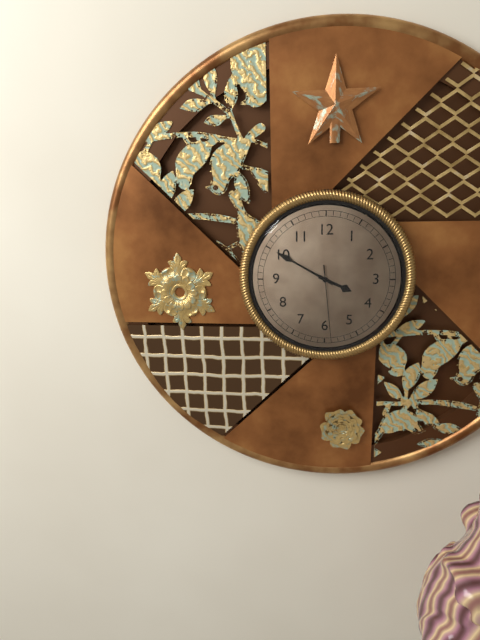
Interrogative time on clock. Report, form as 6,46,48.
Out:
3,50,29
